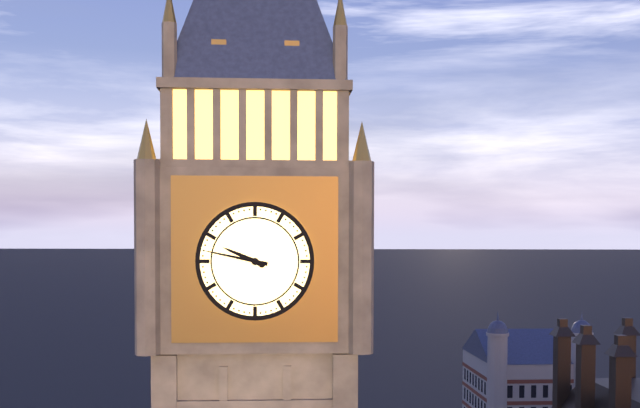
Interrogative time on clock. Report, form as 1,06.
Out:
9,47
